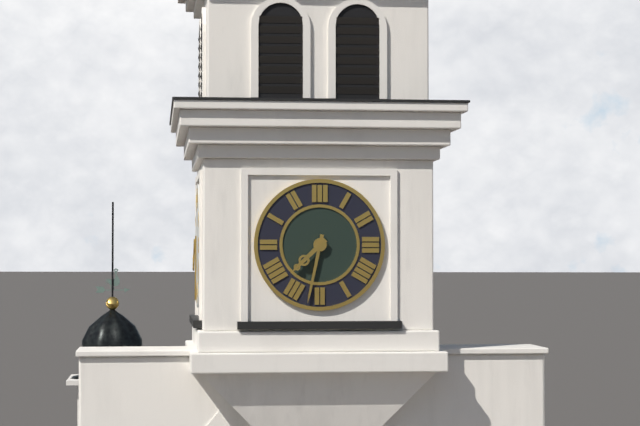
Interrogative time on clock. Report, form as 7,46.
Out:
7,32
